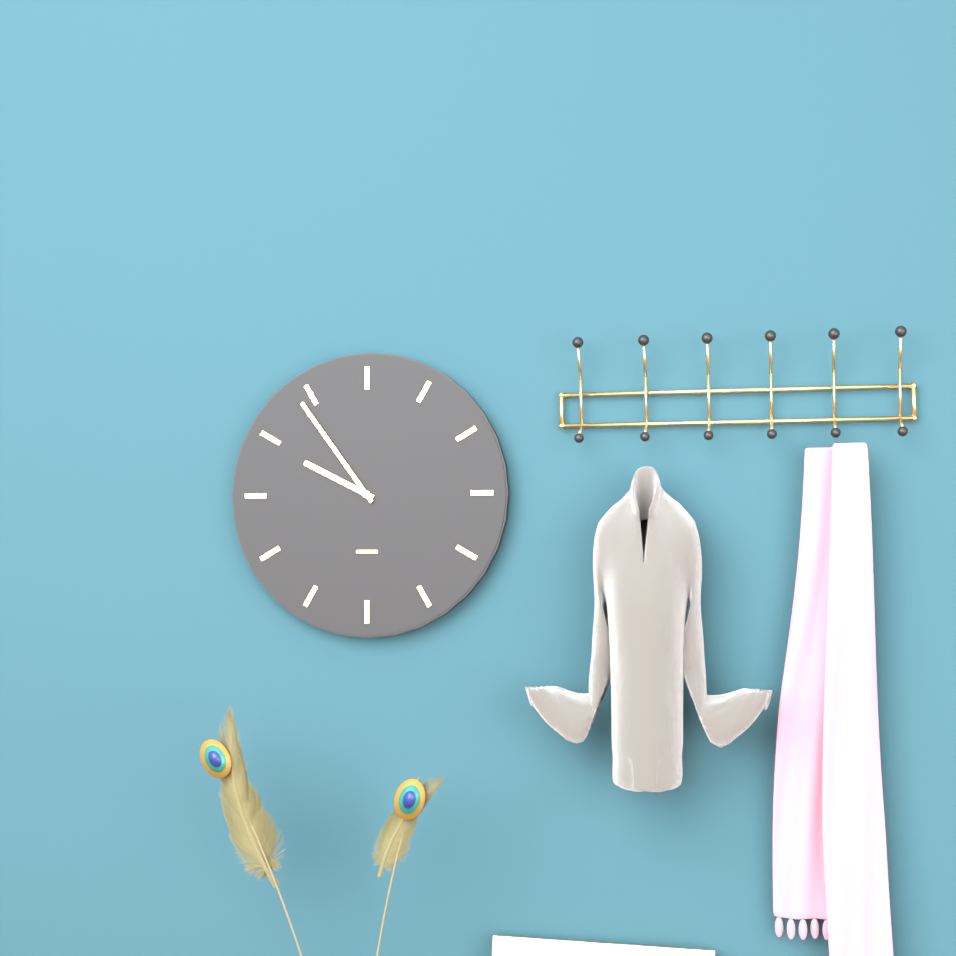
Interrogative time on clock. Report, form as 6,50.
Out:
9,54
